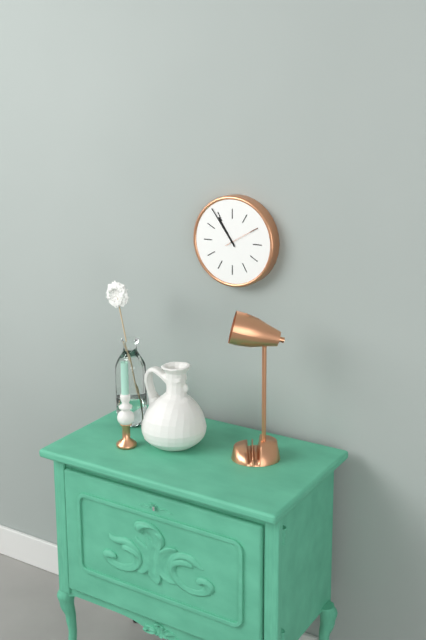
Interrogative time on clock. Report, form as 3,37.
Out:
10,54
